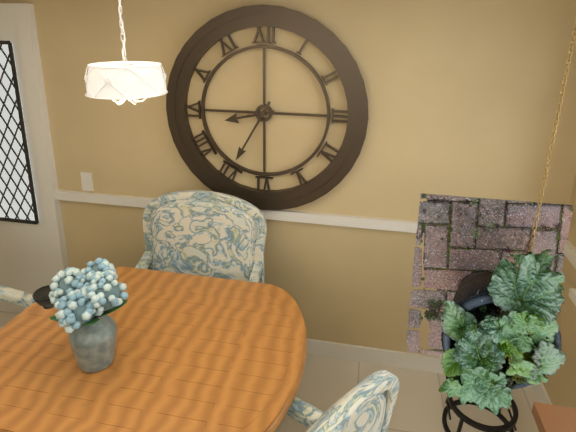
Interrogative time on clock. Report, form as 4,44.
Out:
8,35
